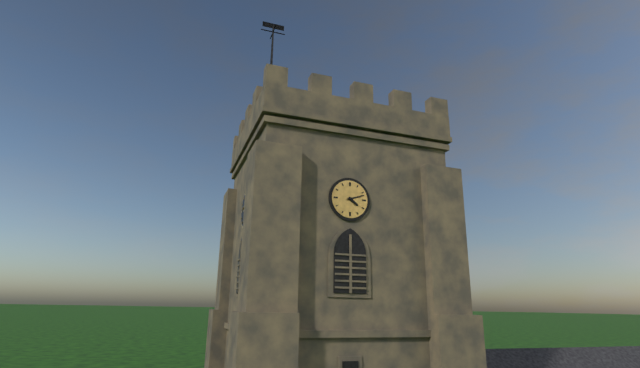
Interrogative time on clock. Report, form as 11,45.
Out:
4,12
